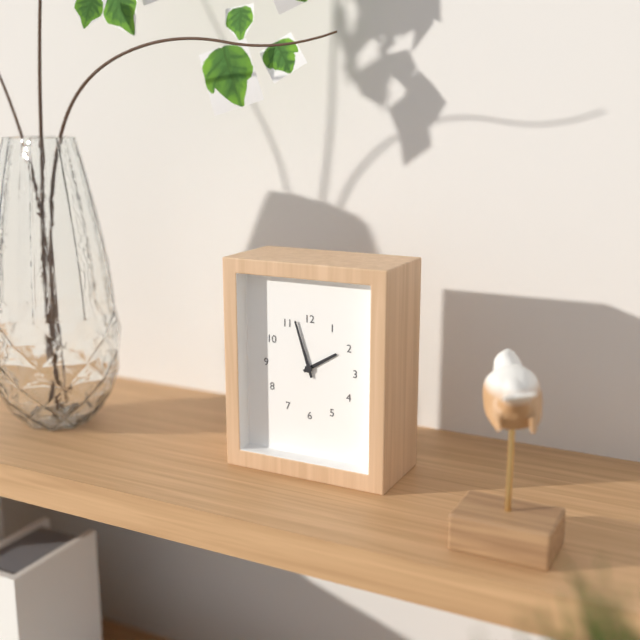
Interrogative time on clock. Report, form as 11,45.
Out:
1,57
